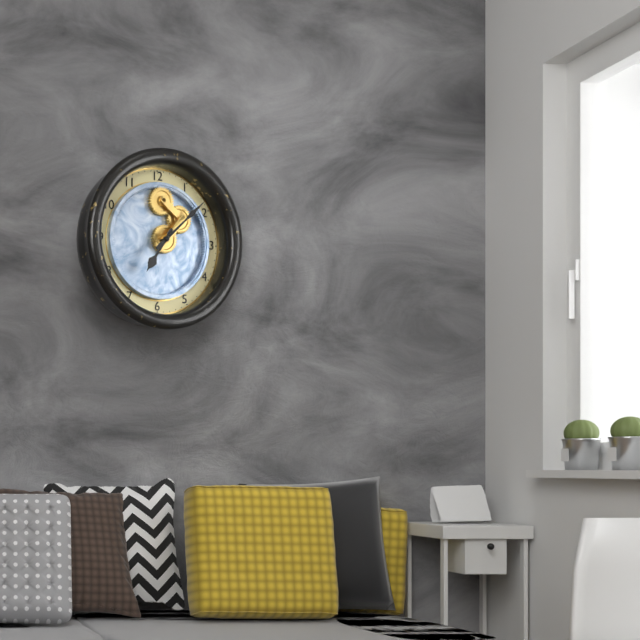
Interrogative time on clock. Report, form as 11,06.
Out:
7,08
